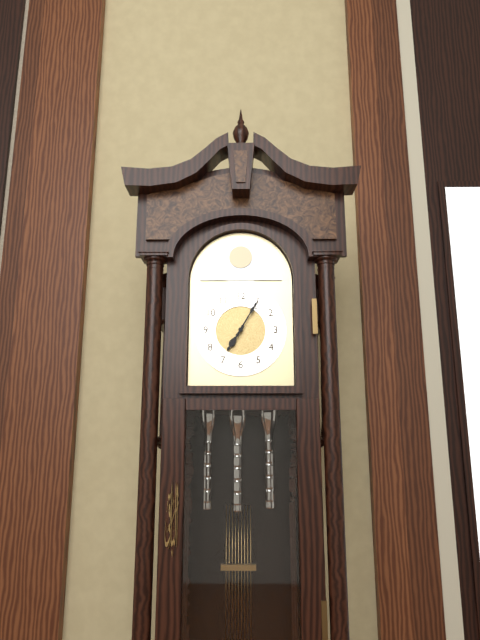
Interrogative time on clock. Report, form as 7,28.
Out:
7,05
